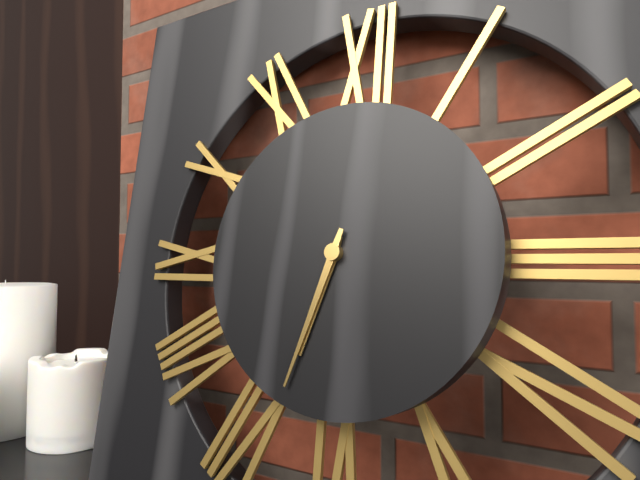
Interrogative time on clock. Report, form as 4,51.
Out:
6,33
